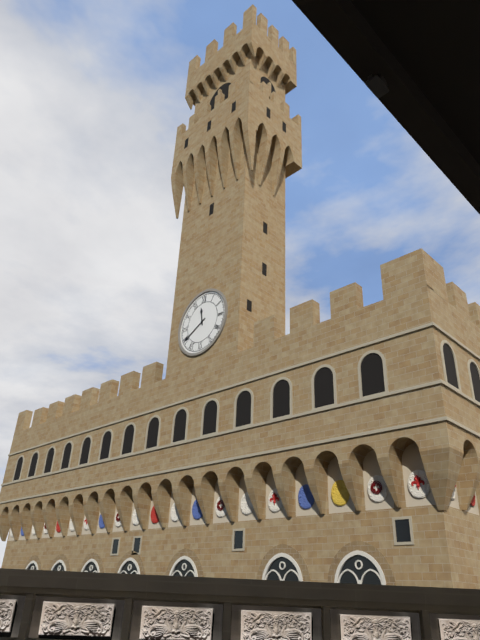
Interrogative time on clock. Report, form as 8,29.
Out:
11,40
